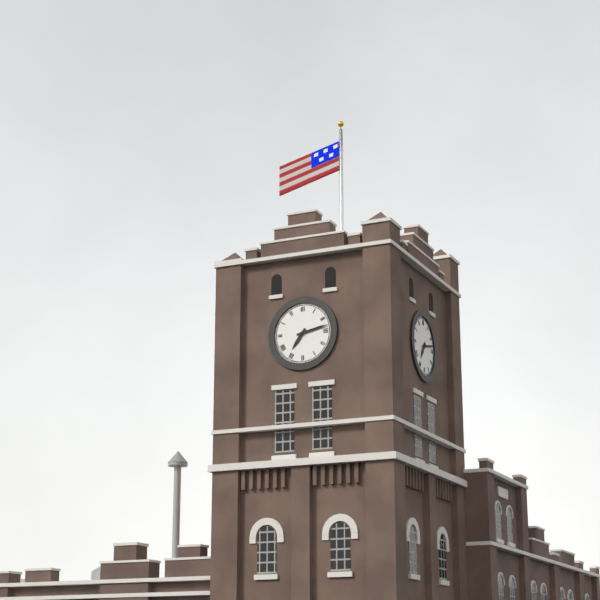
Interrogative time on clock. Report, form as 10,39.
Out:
7,13
